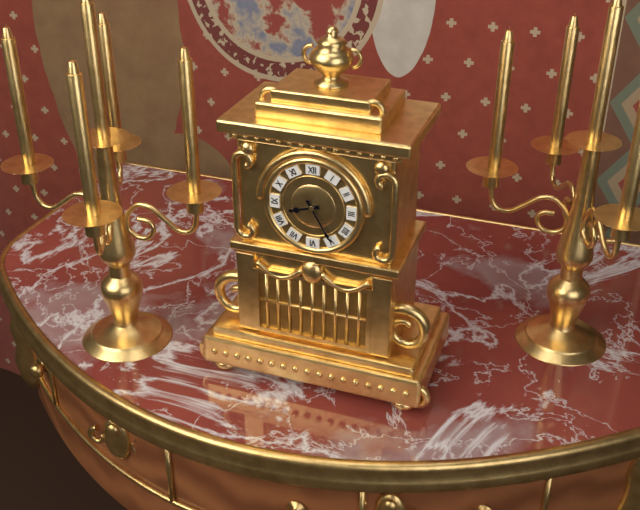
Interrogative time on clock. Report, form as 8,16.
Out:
8,25
